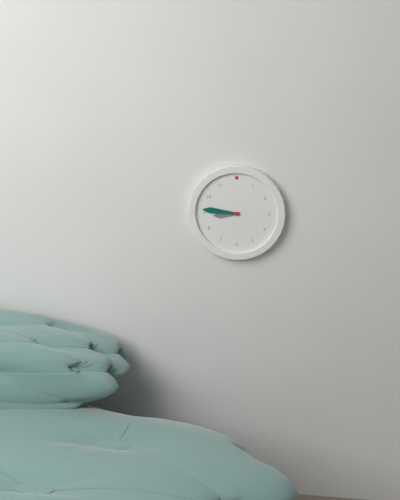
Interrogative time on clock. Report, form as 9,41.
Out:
8,46
